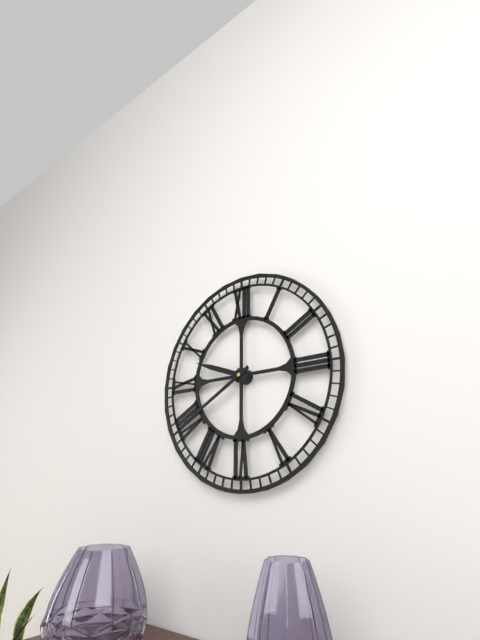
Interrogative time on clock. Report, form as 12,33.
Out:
9,40
